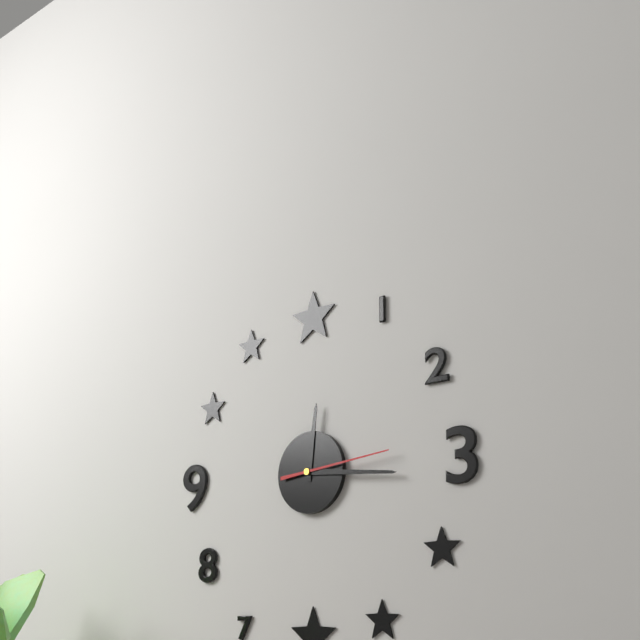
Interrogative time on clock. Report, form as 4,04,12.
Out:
12,16,14
